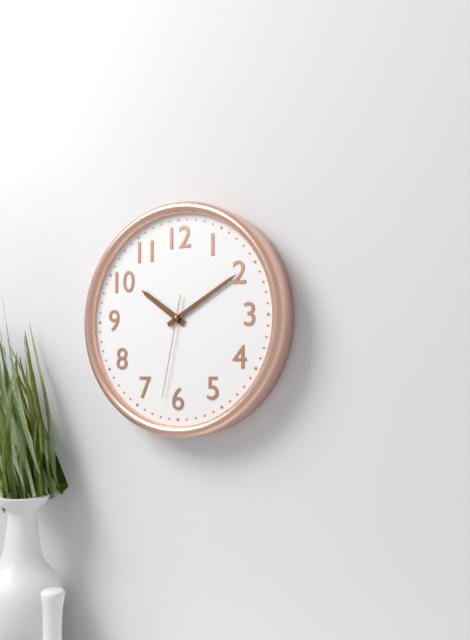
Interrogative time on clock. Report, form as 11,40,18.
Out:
10,10,32
